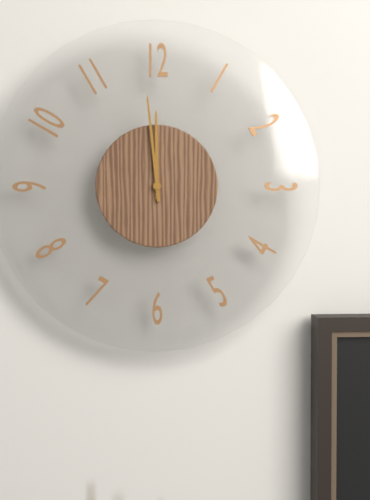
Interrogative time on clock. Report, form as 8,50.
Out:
11,59
